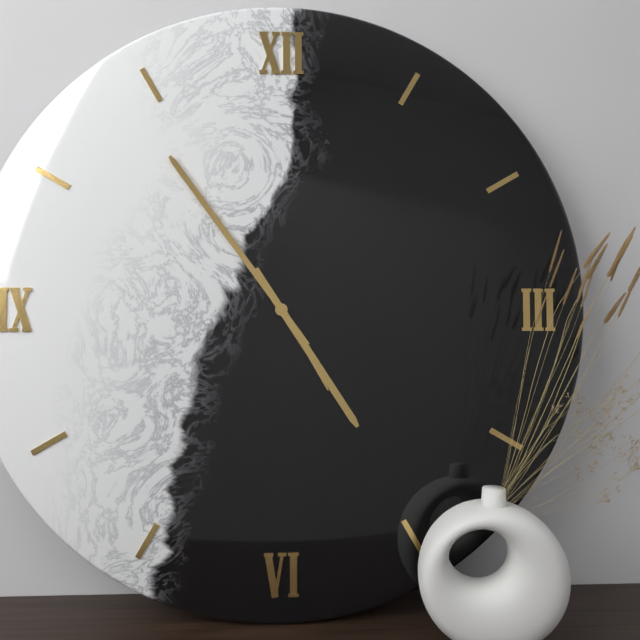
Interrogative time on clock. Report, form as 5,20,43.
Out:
4,54,25
